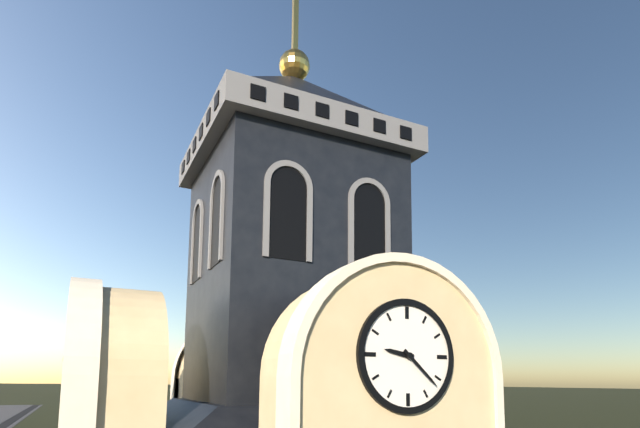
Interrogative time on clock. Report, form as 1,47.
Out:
9,22
